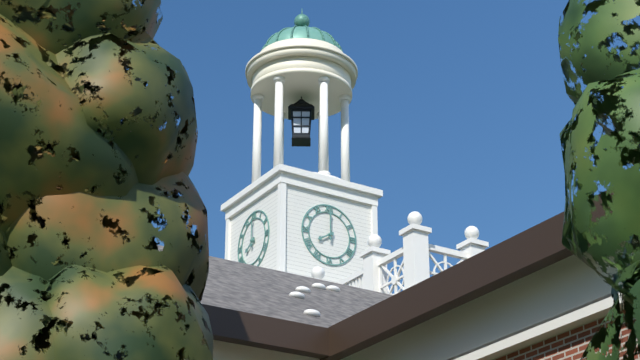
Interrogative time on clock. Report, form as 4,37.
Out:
8,00
